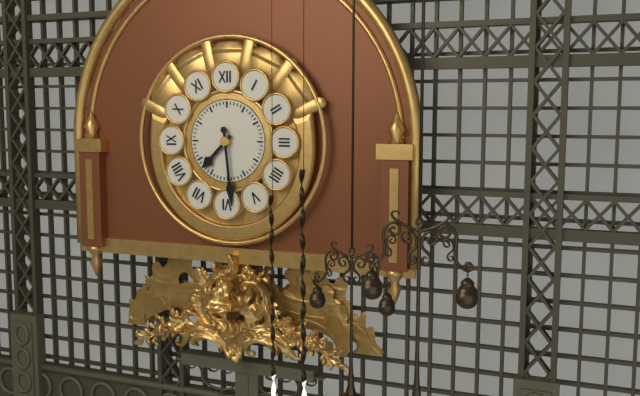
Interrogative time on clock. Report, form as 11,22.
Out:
7,29
